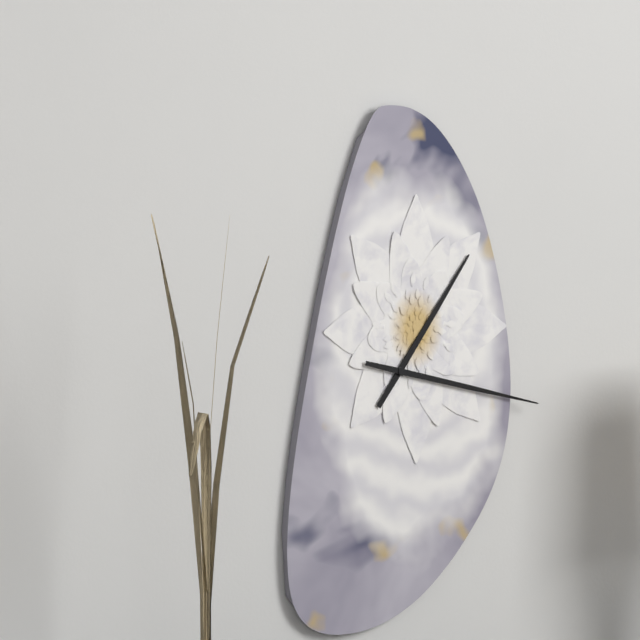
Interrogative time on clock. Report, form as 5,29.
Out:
1,17
